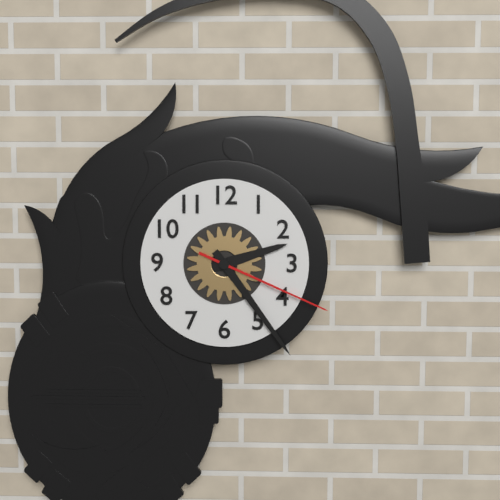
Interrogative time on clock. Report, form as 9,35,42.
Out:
2,24,19
